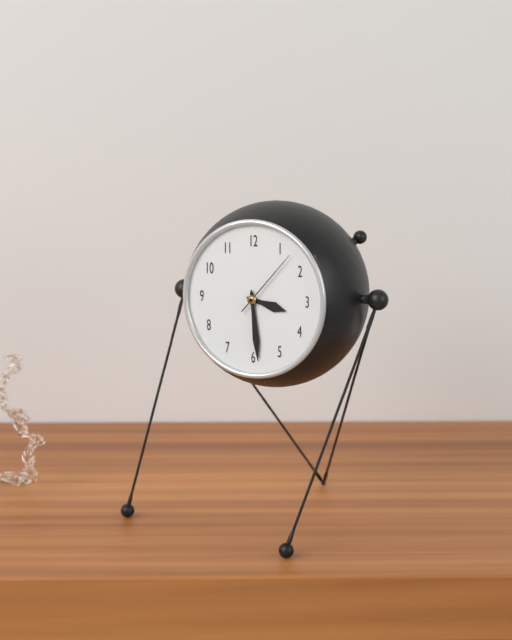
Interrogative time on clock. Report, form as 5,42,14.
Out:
3,29,07
